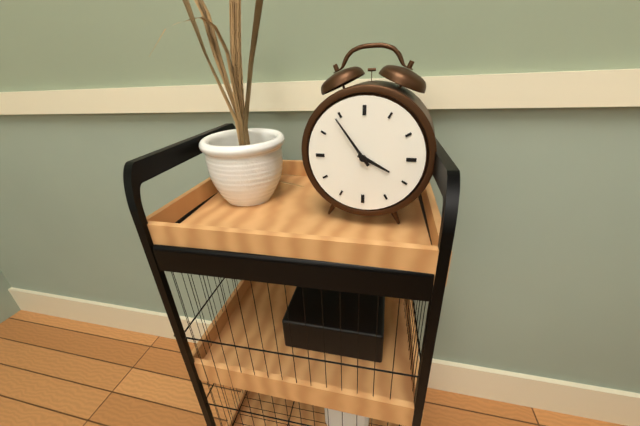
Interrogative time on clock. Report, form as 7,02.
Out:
3,54
